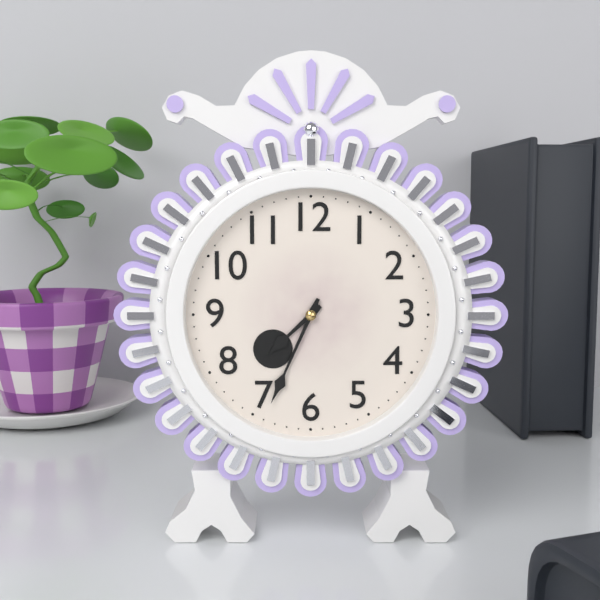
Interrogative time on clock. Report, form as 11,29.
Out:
7,34
